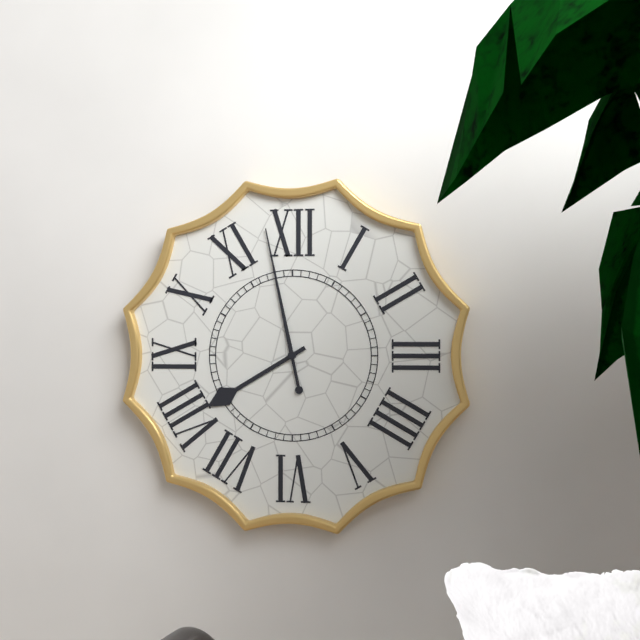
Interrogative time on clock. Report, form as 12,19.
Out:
7,58
